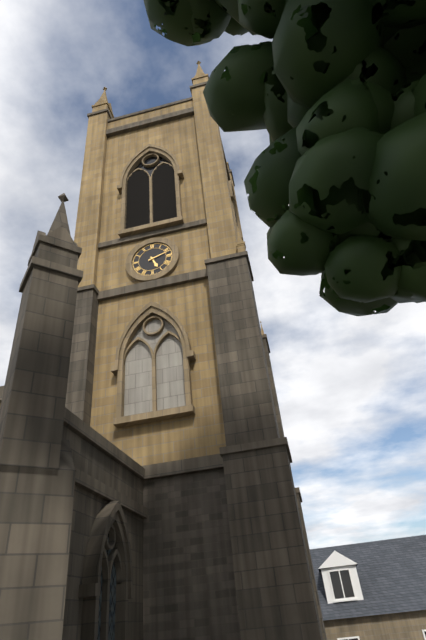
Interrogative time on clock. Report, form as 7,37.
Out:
5,12
